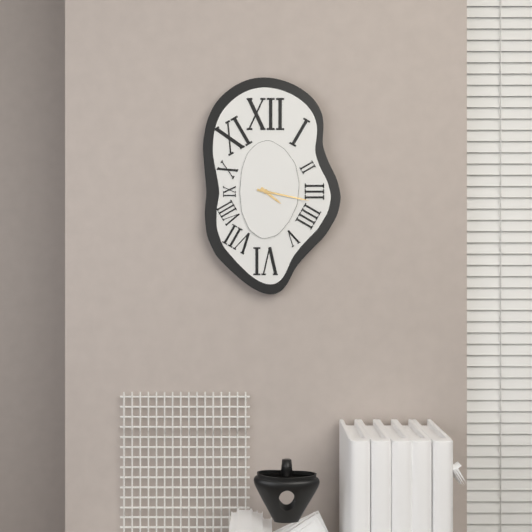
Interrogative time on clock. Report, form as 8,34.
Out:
4,17
